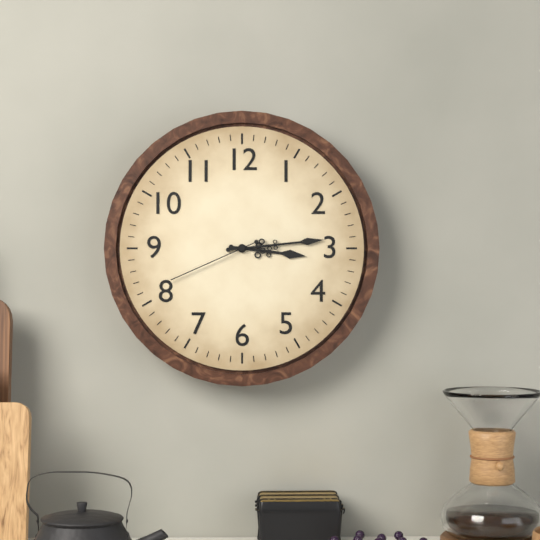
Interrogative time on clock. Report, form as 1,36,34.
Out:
3,14,41
